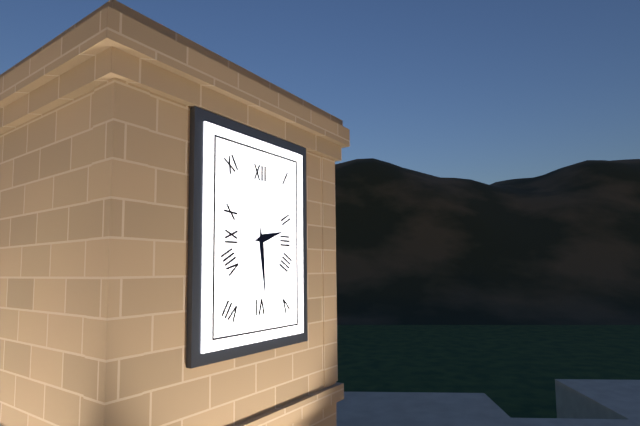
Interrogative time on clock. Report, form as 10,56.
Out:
2,29
